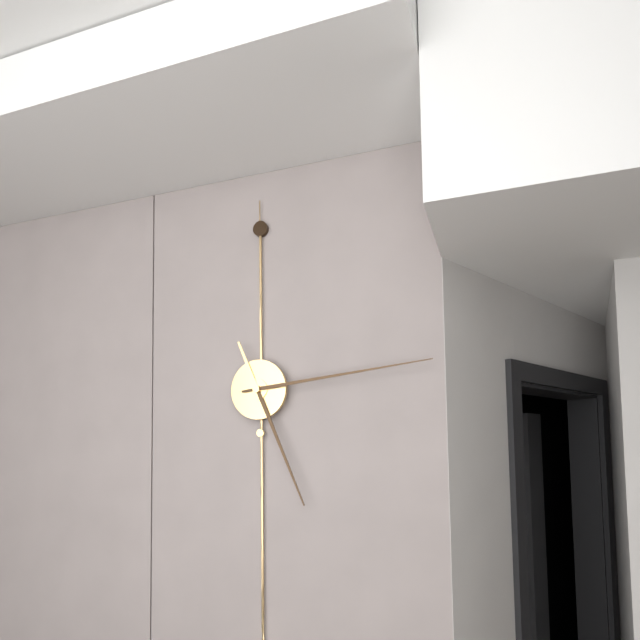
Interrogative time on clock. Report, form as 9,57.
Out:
5,14
